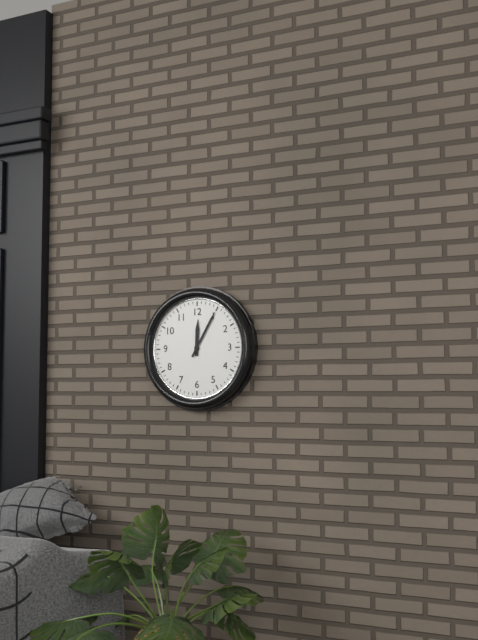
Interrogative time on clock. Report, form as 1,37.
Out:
12,05
